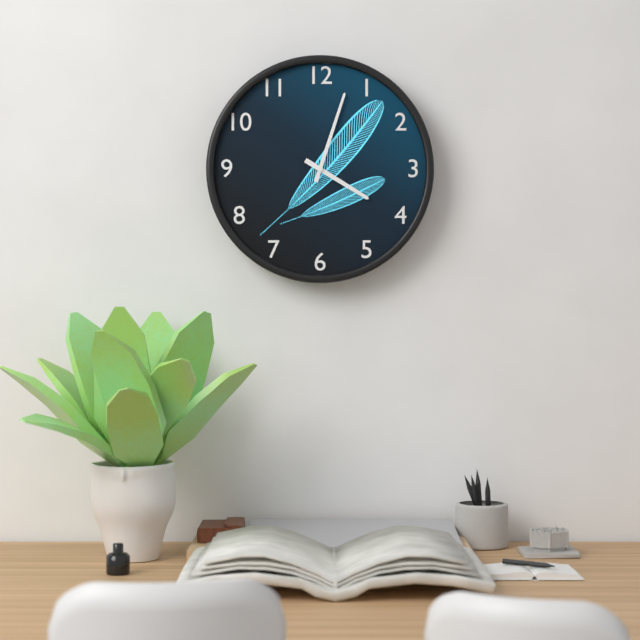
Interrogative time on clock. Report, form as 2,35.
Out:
4,03
